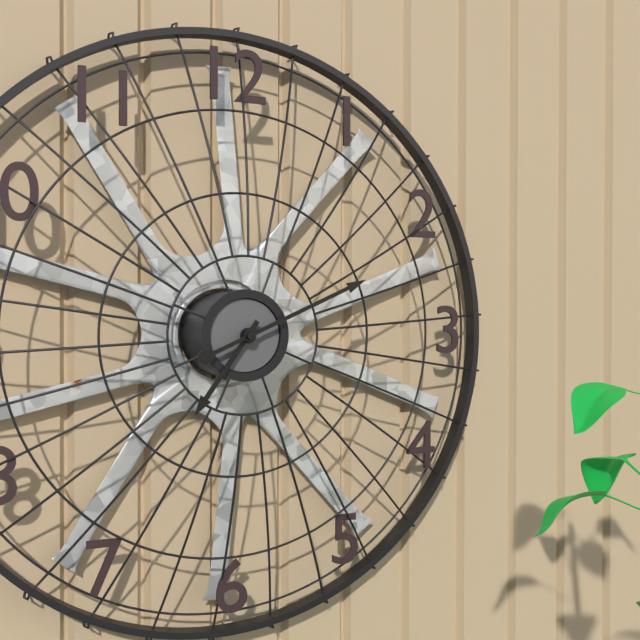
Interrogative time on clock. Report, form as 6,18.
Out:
7,11
